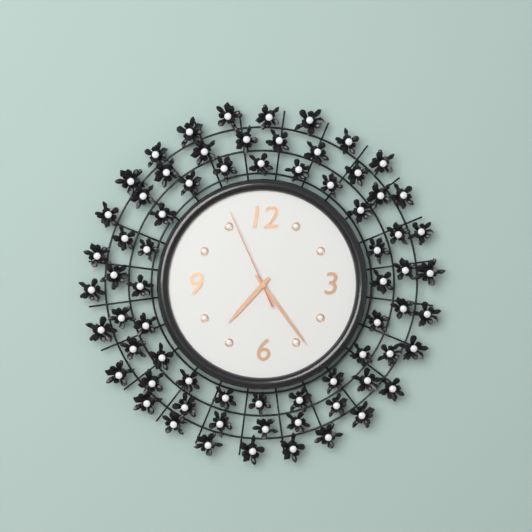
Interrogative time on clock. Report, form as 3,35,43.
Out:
7,24,56
